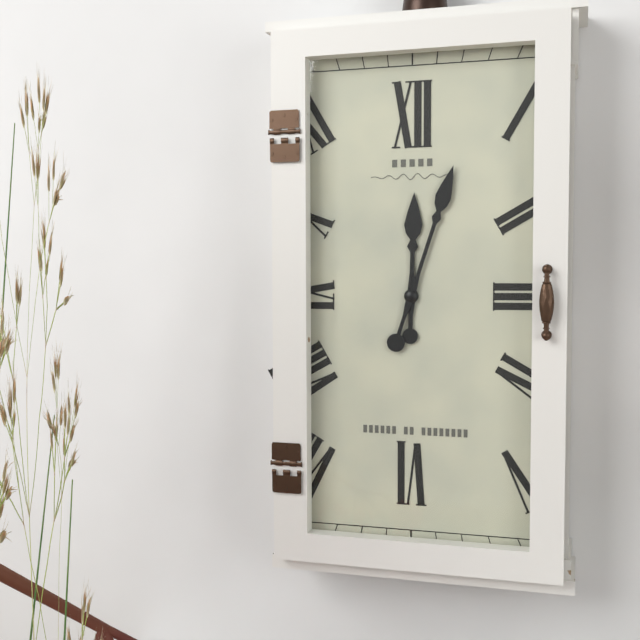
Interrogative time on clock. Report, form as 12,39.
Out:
12,03
